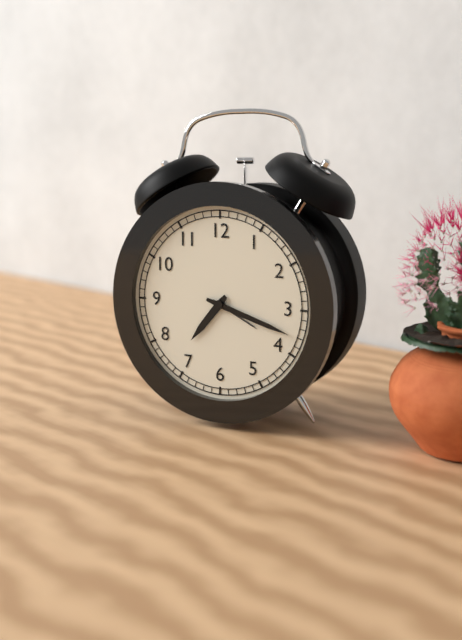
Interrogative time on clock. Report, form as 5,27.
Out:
7,18
